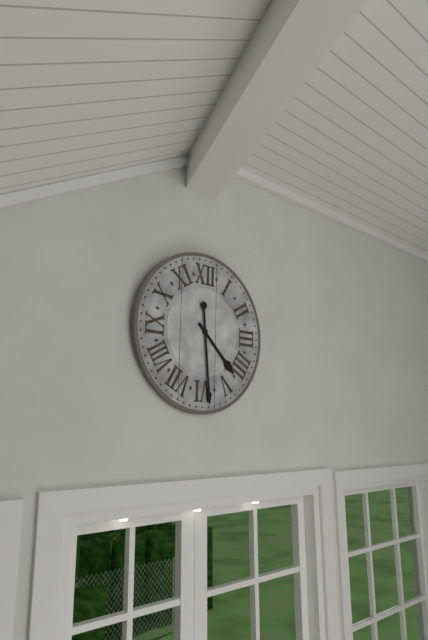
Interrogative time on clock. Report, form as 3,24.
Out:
4,29
